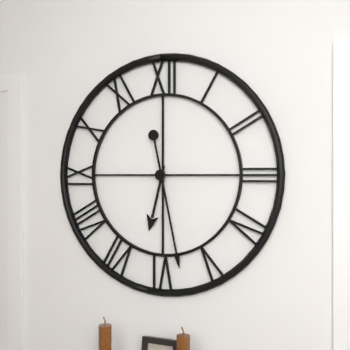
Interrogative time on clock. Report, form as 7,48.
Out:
6,28
